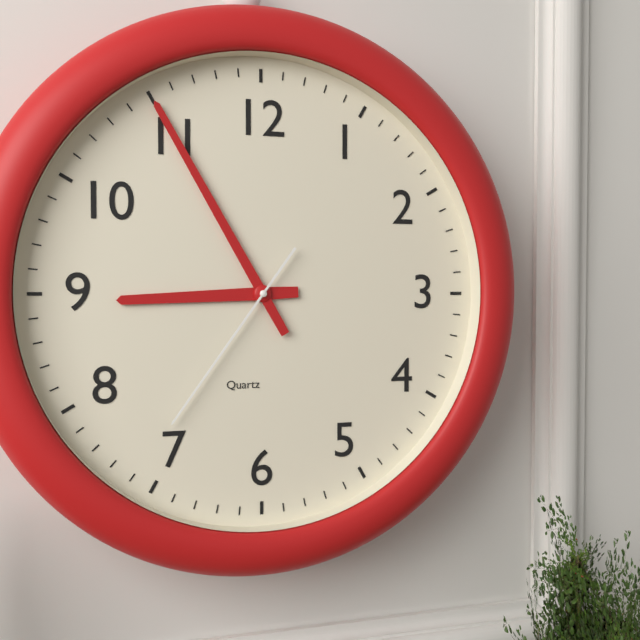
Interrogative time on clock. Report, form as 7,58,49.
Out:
8,55,36
